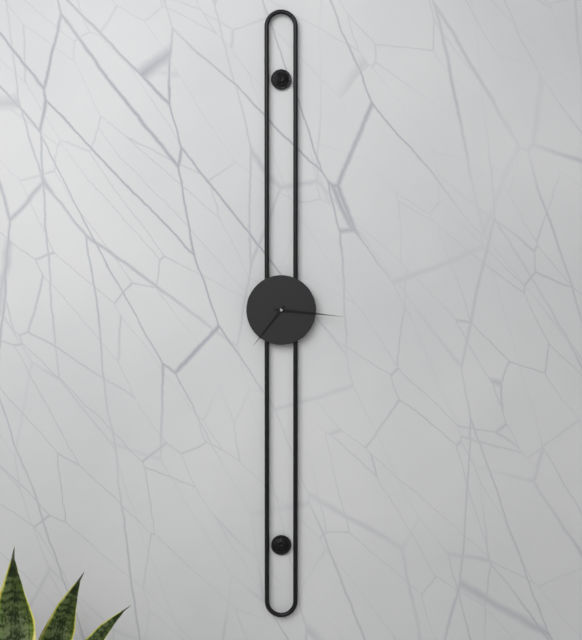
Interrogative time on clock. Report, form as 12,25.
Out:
7,16
